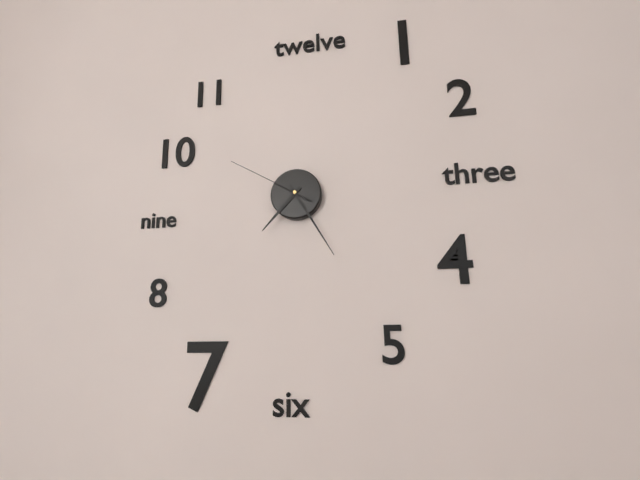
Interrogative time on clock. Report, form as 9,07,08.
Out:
7,25,50
